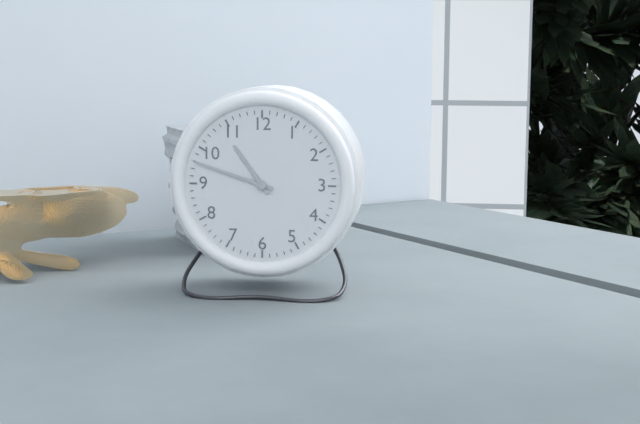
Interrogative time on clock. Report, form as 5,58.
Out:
10,48
